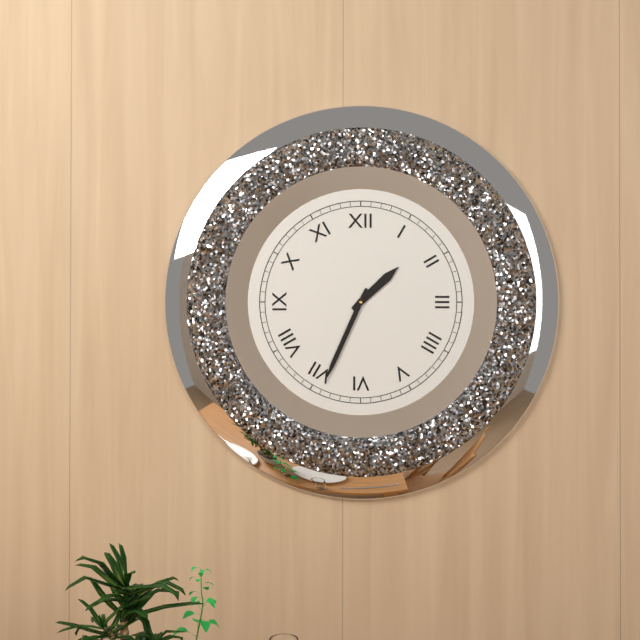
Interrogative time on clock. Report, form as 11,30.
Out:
1,34
